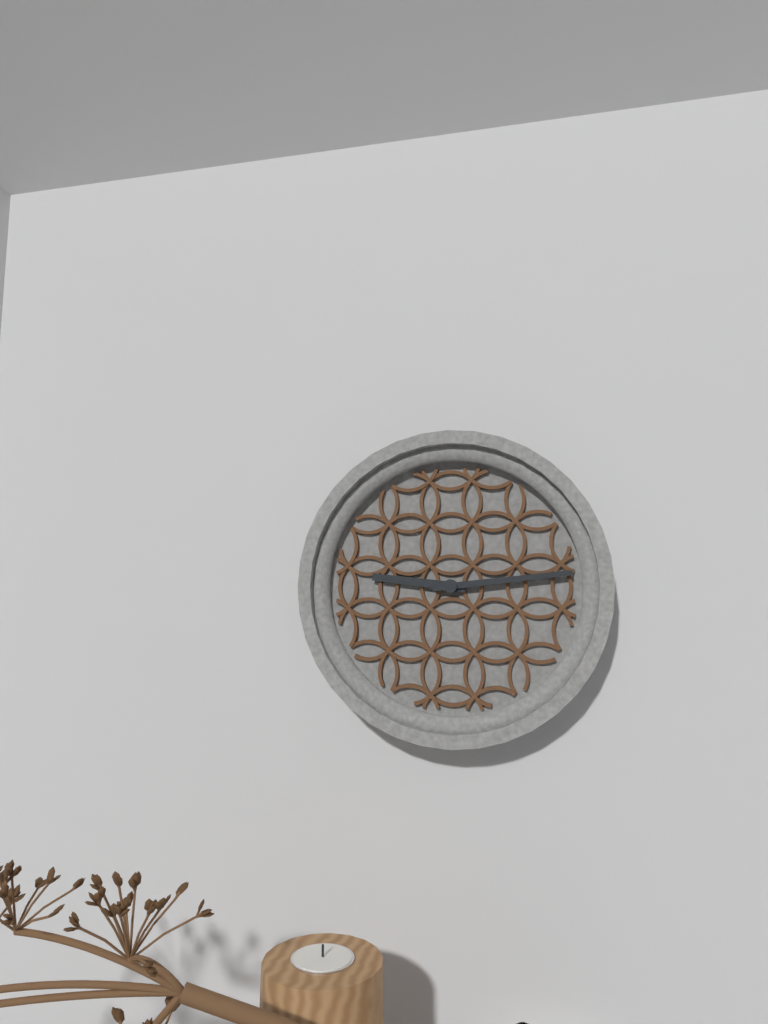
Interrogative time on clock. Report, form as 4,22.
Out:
9,14
